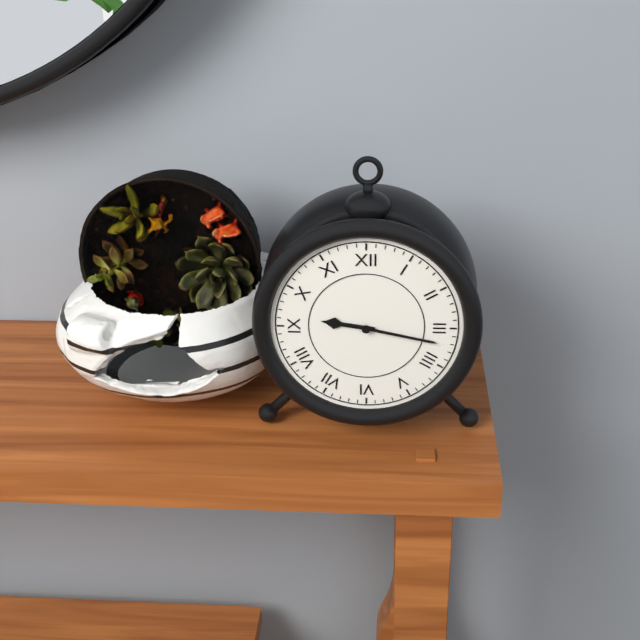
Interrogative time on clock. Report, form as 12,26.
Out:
9,17
